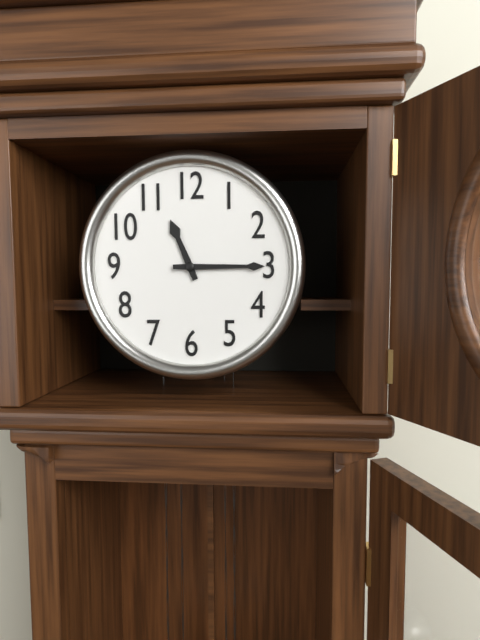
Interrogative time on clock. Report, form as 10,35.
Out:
11,15
